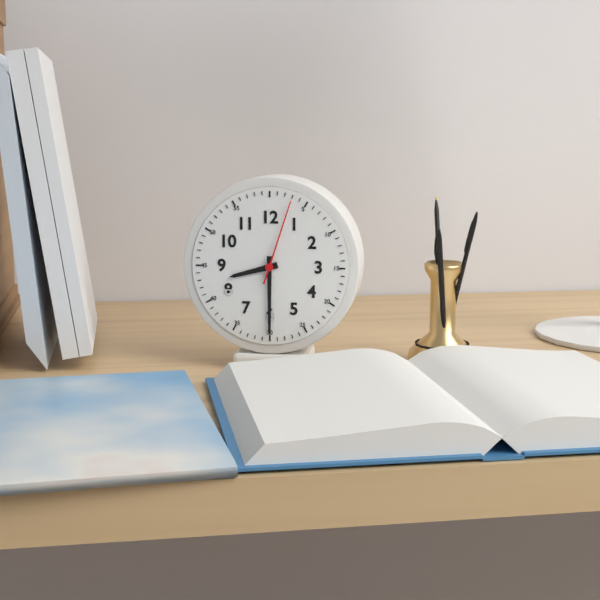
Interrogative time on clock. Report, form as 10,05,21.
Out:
8,30,03
